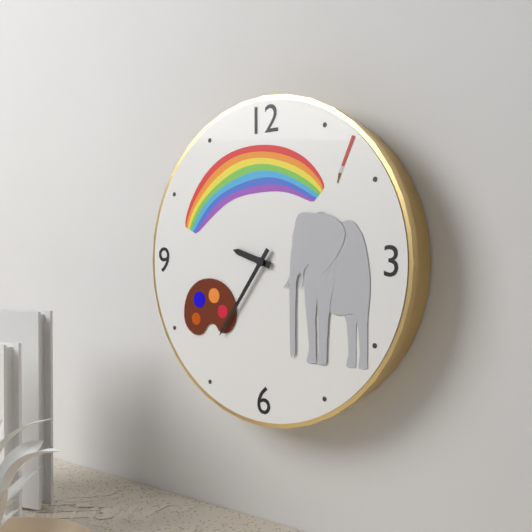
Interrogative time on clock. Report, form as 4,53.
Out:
9,36
